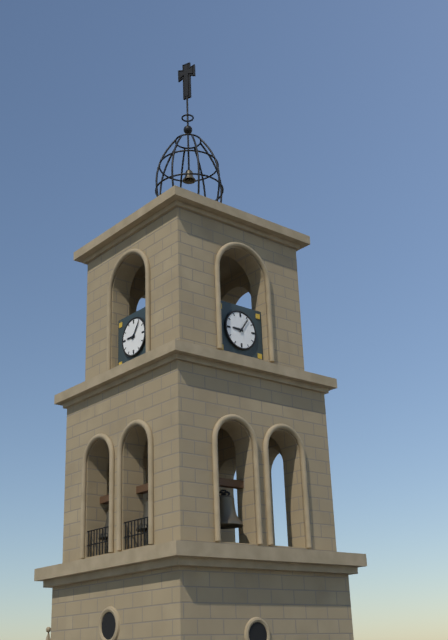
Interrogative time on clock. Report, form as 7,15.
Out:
9,06
